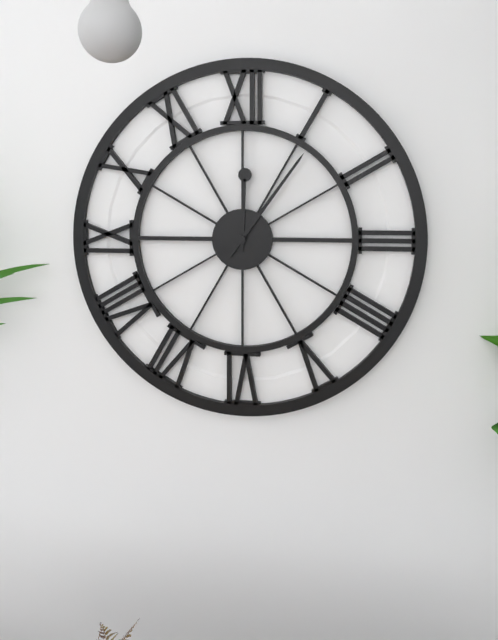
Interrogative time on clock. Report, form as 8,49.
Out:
12,06
